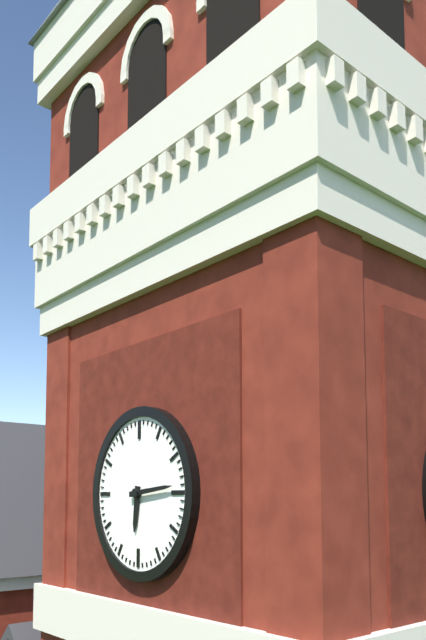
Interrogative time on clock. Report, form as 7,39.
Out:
6,14
